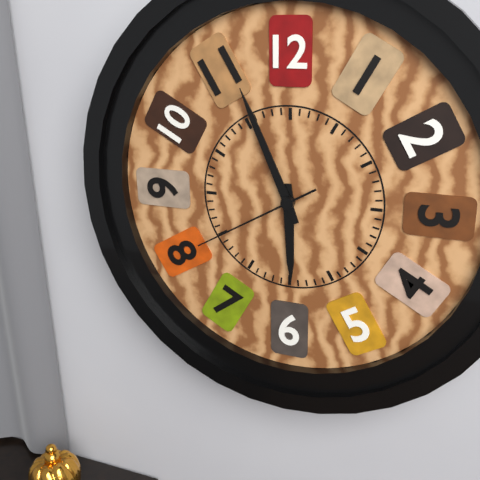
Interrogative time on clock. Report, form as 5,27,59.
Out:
5,56,40
